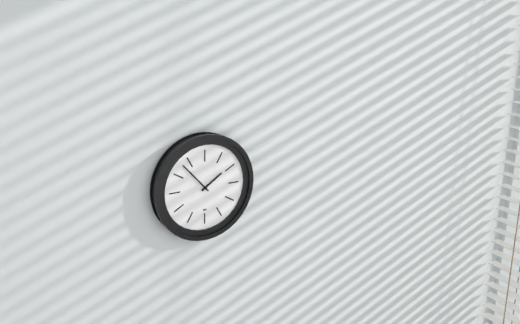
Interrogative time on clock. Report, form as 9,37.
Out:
1,53
